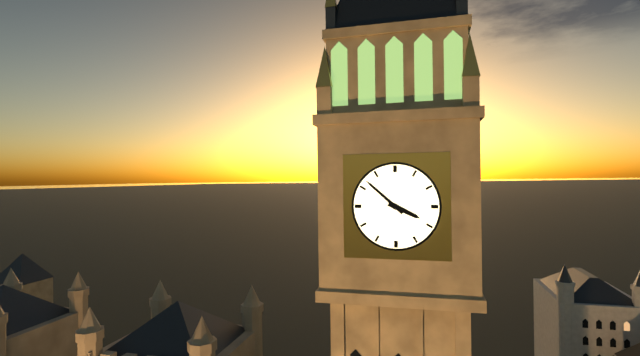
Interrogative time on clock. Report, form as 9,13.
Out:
3,52
